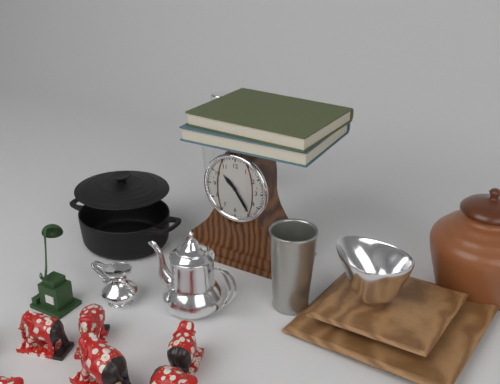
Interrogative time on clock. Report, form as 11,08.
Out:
10,24
